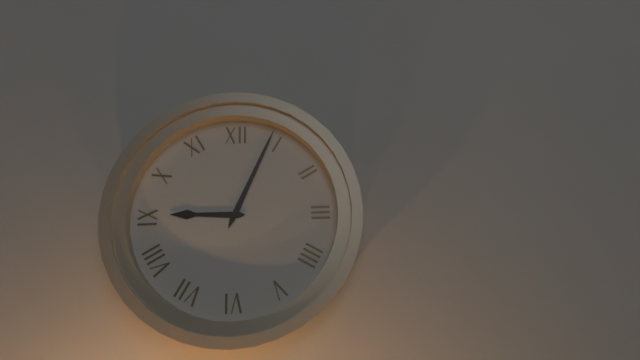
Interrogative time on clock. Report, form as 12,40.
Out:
9,04
